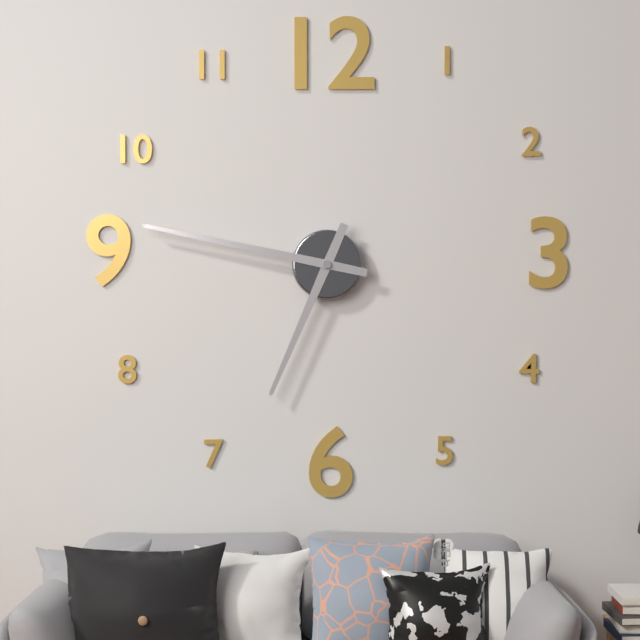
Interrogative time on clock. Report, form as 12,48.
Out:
6,47
